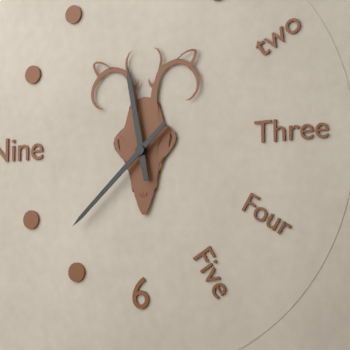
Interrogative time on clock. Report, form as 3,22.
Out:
11,38
